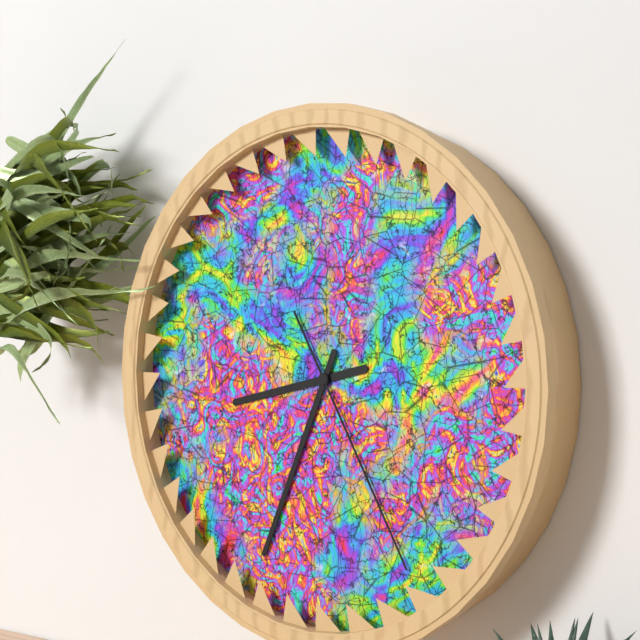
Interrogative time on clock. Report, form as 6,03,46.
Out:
8,34,25
